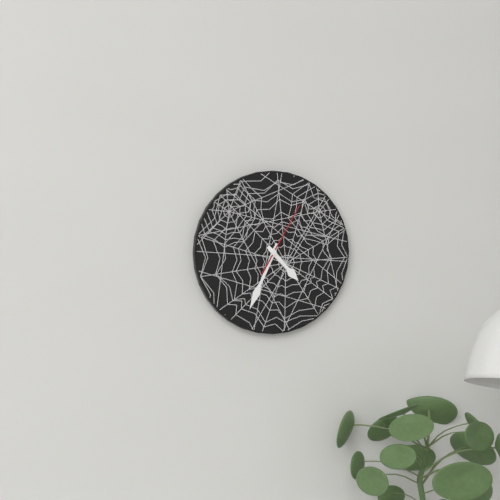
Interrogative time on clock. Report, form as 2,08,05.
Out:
4,34,05
